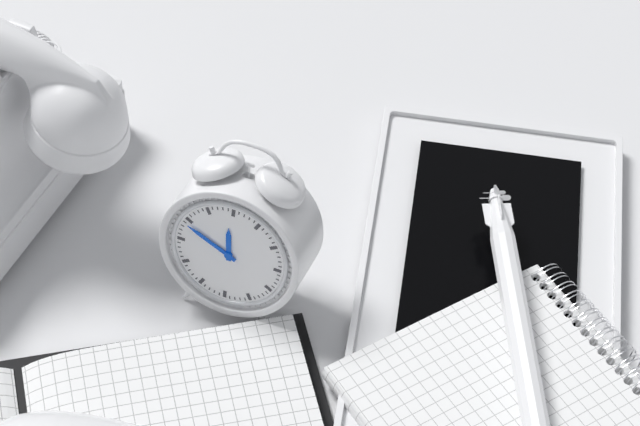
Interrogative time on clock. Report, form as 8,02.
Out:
11,49
